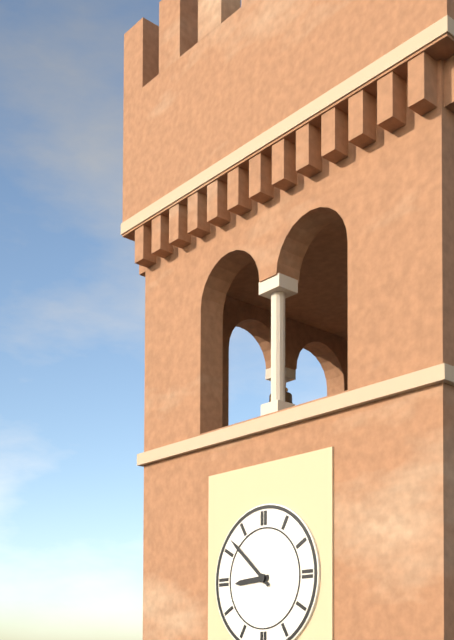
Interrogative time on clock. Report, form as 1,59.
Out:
8,52
